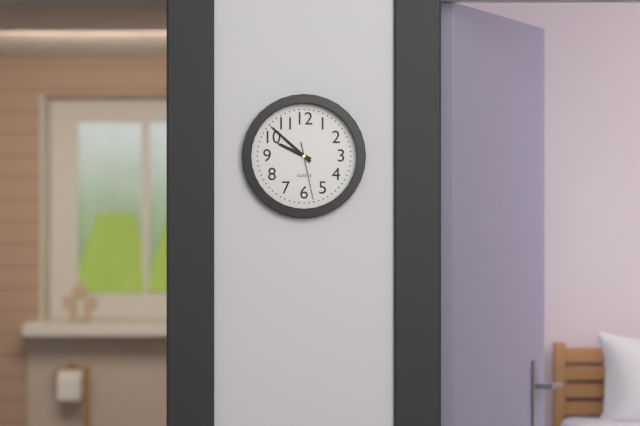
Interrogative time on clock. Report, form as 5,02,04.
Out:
9,52,28
